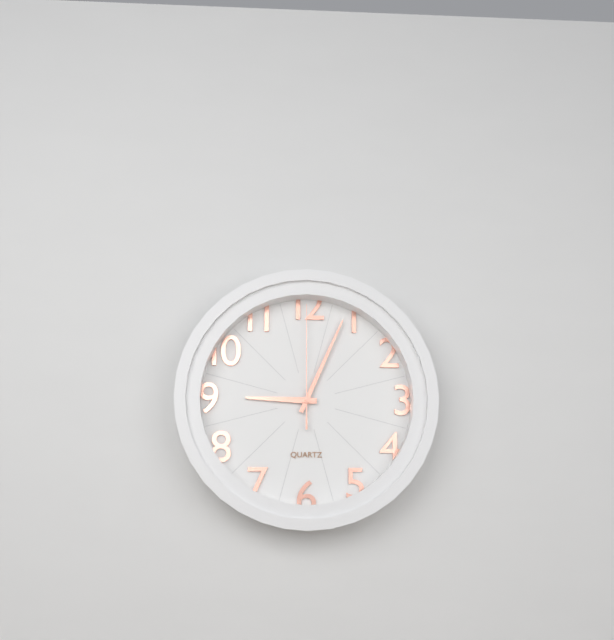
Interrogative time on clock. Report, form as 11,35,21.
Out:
9,04,00
